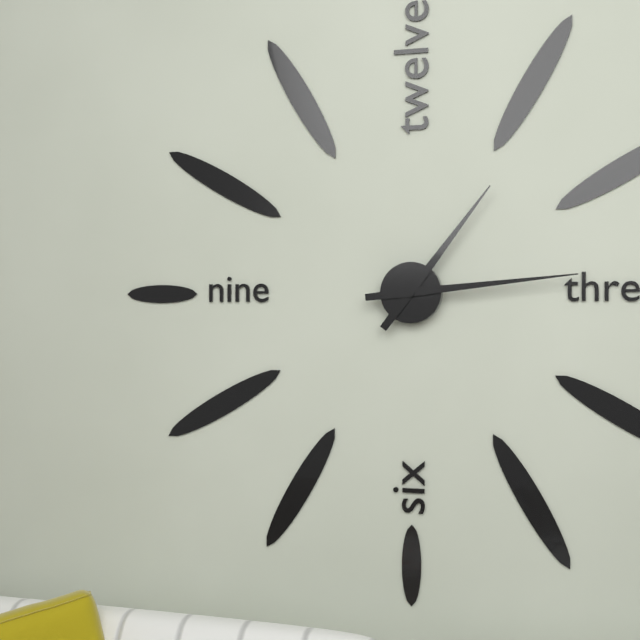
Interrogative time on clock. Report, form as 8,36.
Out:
1,14
